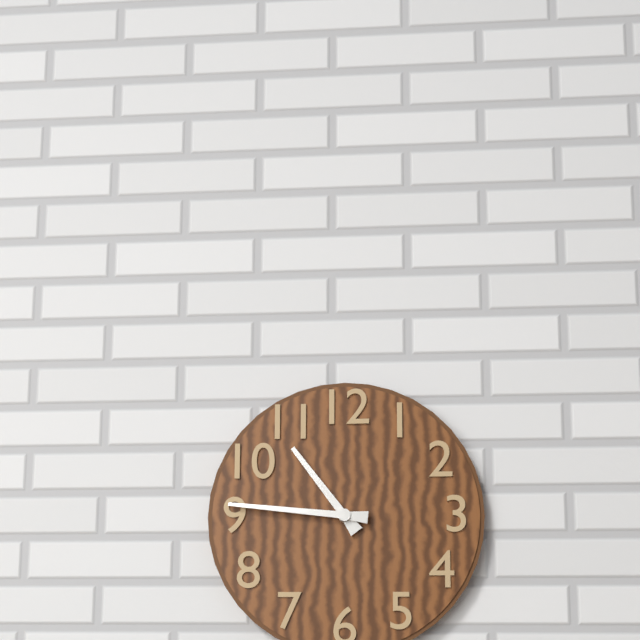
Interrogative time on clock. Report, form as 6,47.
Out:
10,46
